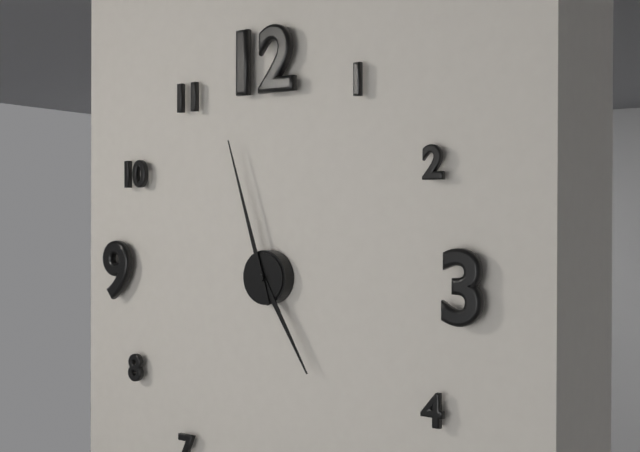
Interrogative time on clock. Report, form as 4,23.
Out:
4,57
